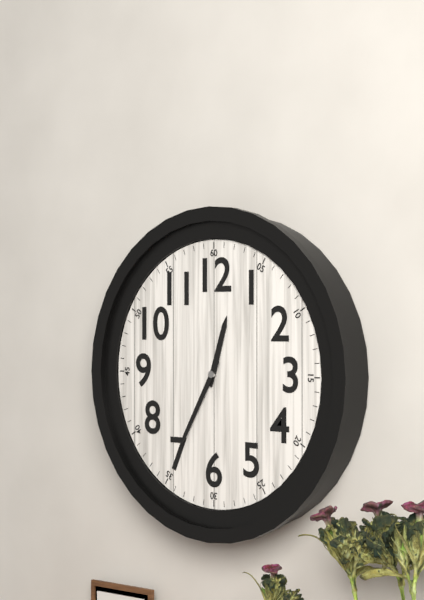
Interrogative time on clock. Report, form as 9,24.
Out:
12,35
